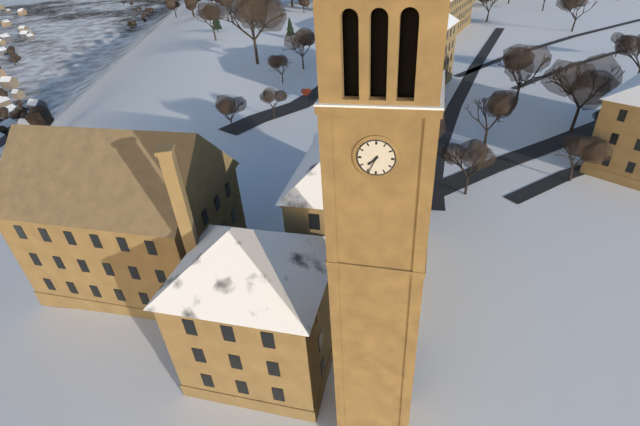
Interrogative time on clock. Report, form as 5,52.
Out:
7,34
